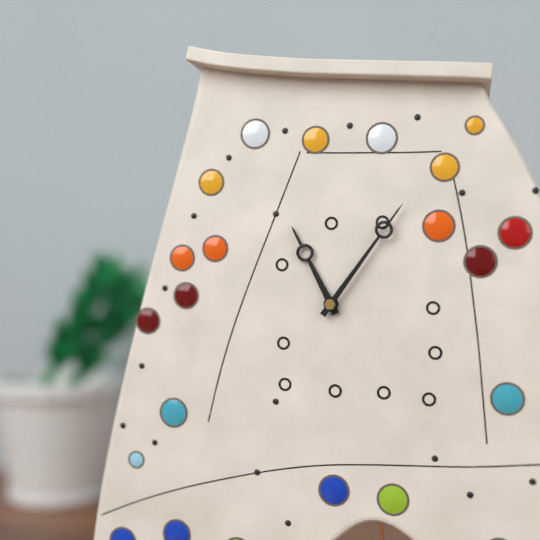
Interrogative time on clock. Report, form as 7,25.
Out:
11,06
